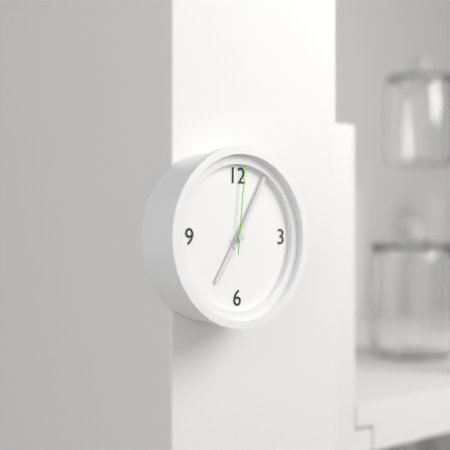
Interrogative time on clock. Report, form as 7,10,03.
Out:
7,05,01
